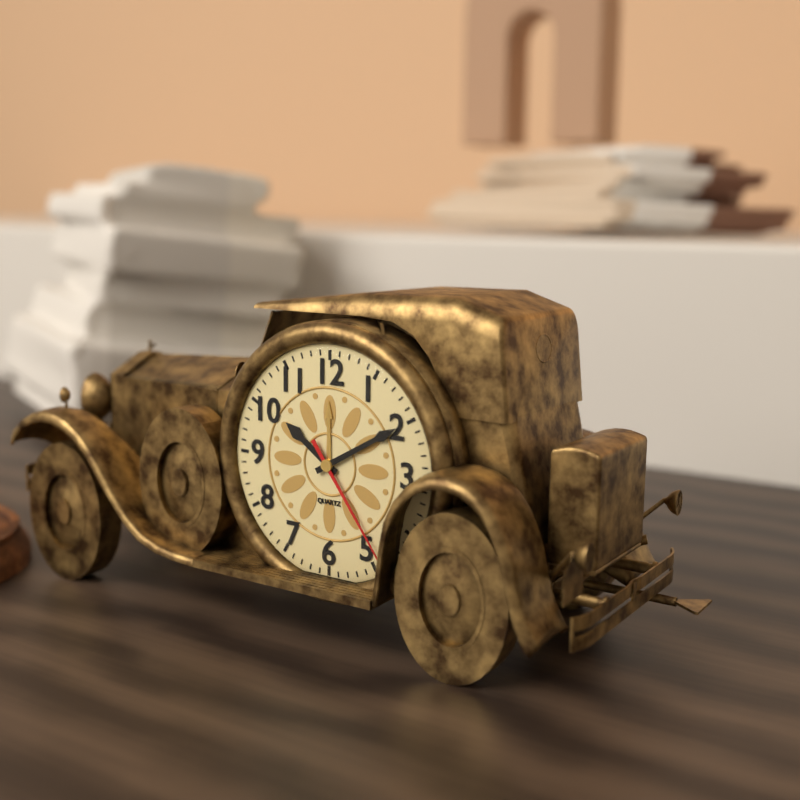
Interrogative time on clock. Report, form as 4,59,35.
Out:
10,10,24
